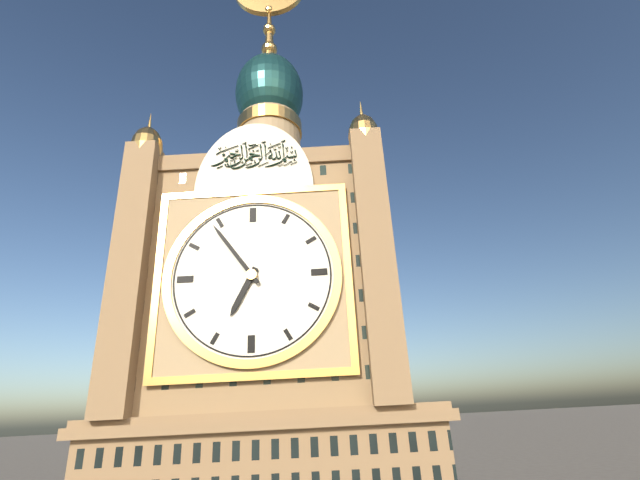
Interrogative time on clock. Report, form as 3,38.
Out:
6,54
